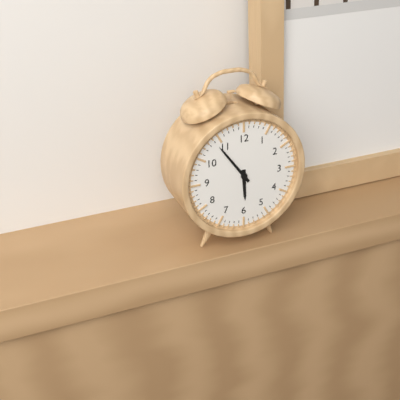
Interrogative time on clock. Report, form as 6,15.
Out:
5,54
